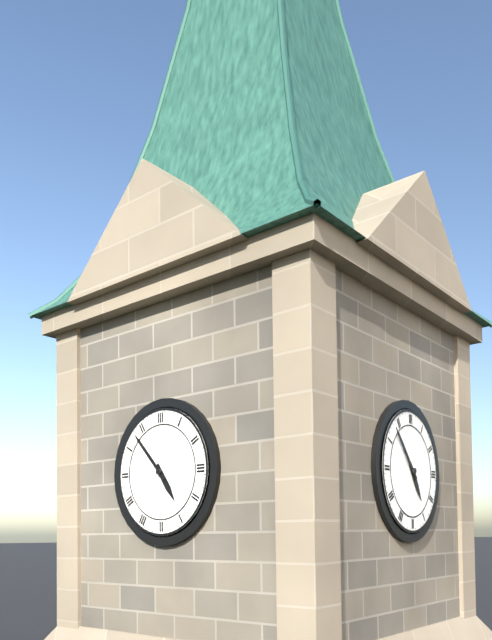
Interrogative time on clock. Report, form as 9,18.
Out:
4,53
